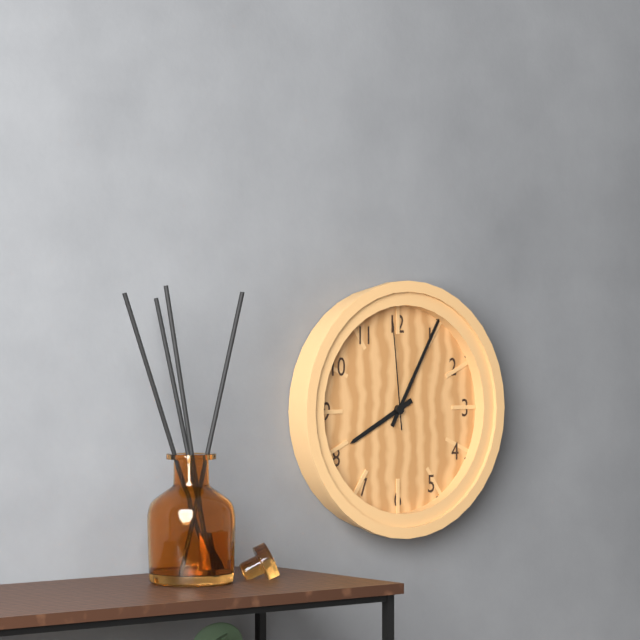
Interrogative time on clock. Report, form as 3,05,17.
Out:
8,05,59
